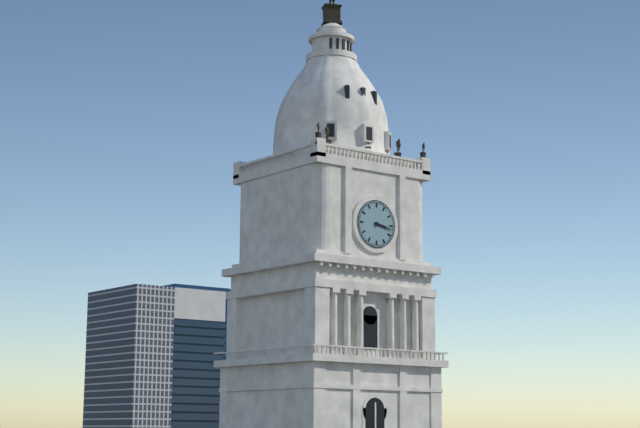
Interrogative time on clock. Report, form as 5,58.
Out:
3,17
